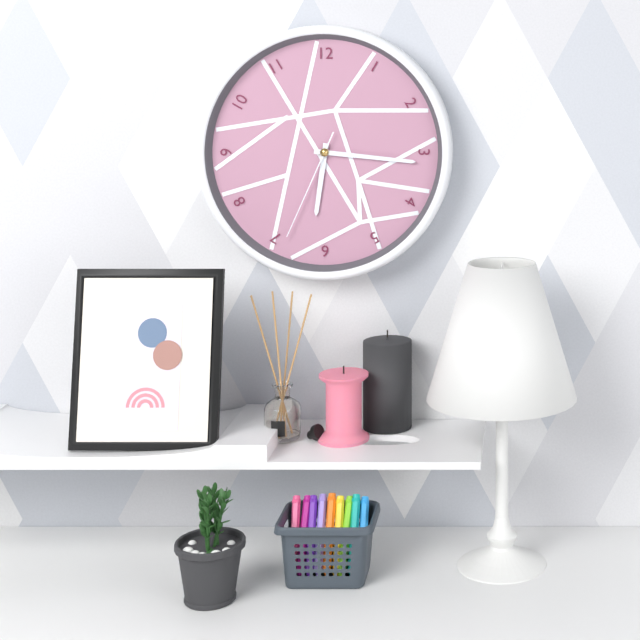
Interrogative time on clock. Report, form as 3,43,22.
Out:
6,16,34
